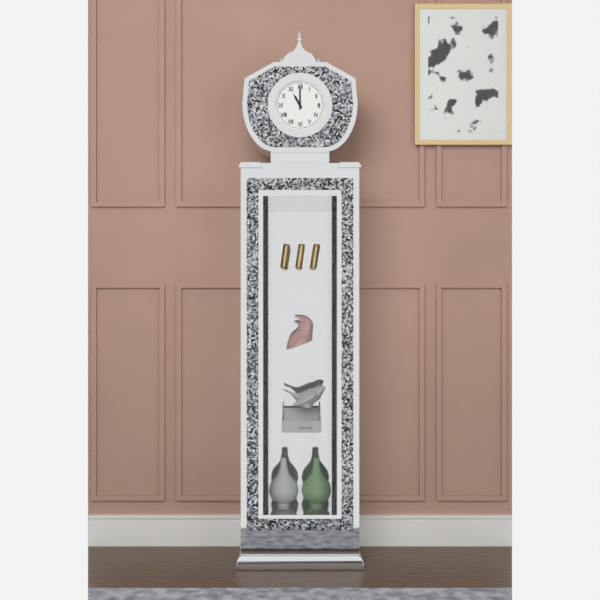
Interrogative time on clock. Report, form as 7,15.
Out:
11,00
